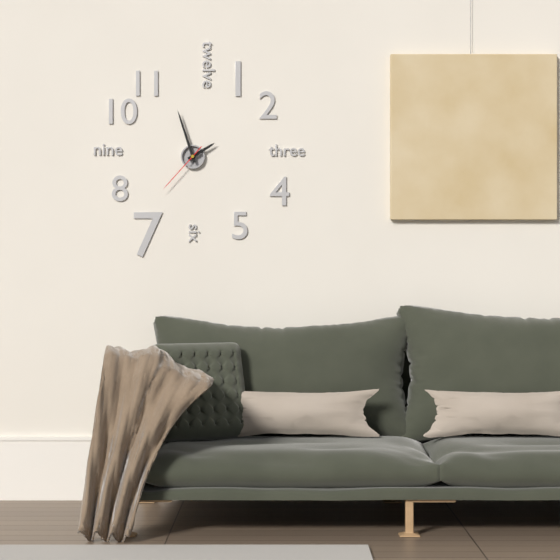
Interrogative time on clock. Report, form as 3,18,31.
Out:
1,57,37
